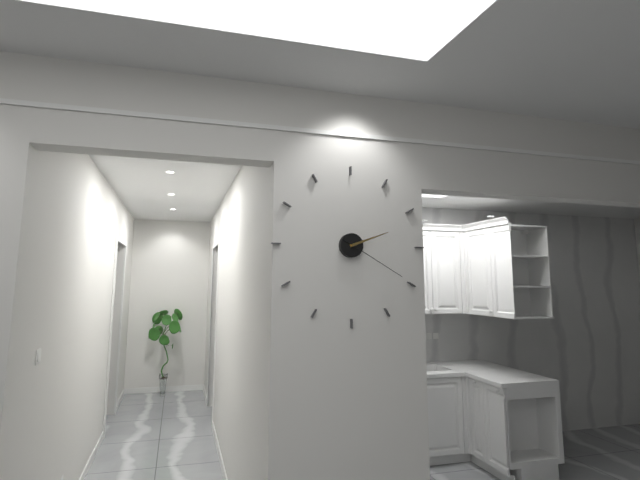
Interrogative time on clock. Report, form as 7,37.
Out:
2,20
